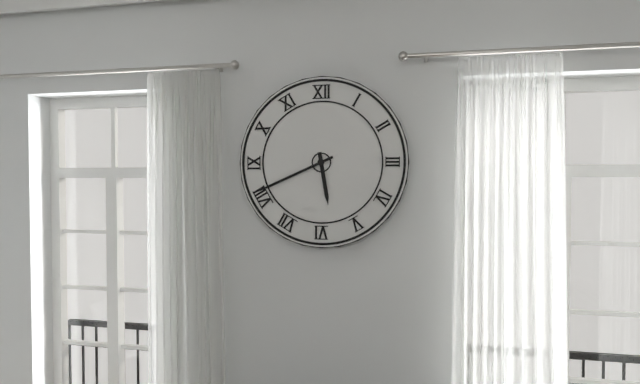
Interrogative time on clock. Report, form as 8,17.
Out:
5,41
